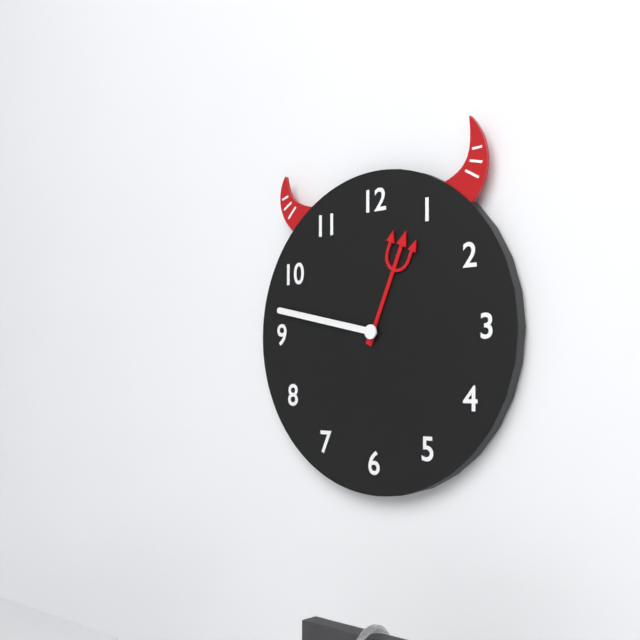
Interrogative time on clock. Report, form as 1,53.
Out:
12,47
